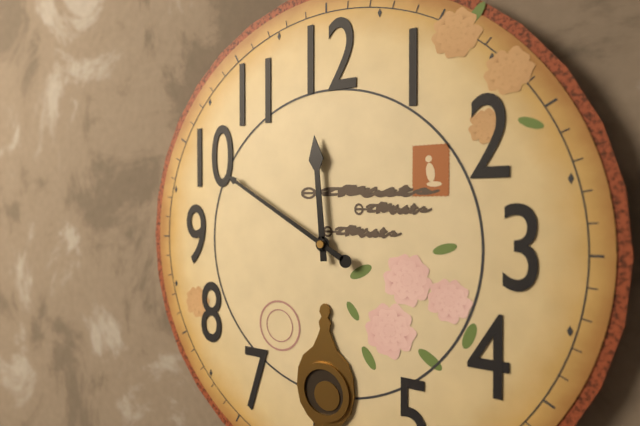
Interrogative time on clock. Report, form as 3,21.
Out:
11,50
